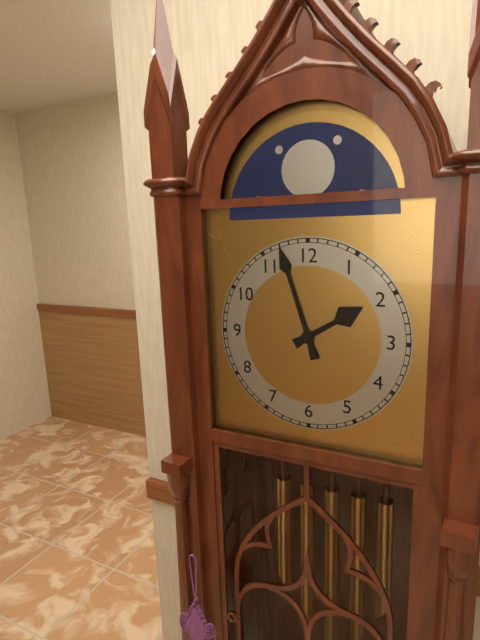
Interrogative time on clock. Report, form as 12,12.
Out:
1,57
